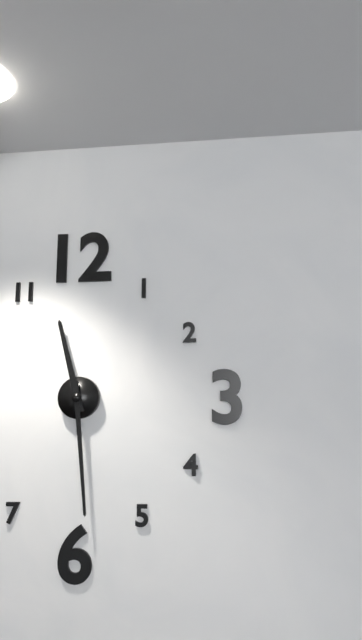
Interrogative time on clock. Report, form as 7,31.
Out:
11,29
